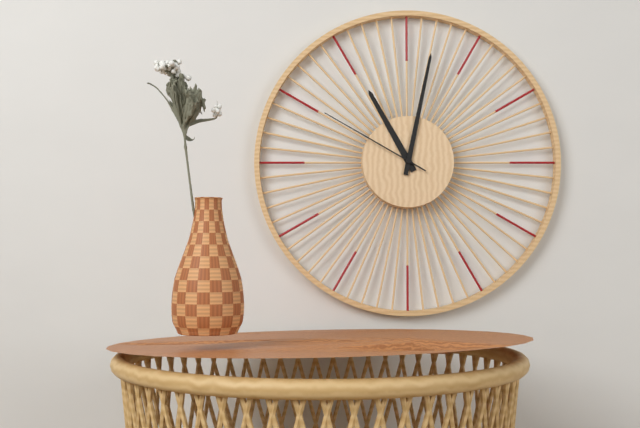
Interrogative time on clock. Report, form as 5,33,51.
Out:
11,02,50
